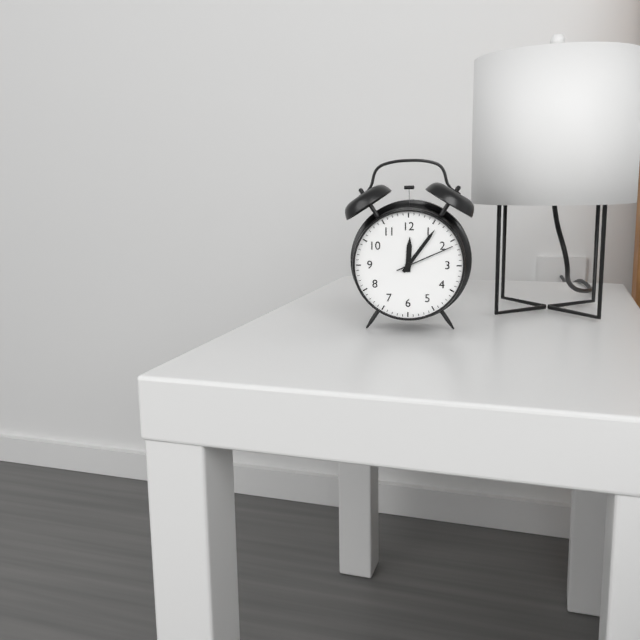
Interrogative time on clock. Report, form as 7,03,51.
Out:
12,06,11
